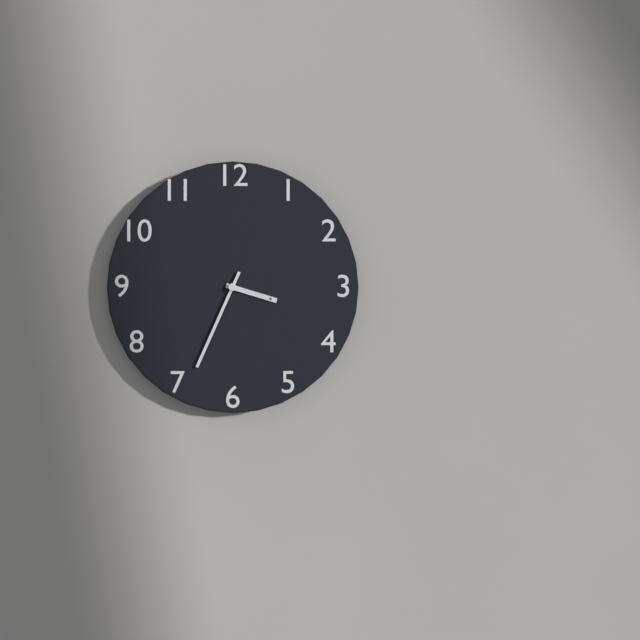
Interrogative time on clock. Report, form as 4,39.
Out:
3,34
